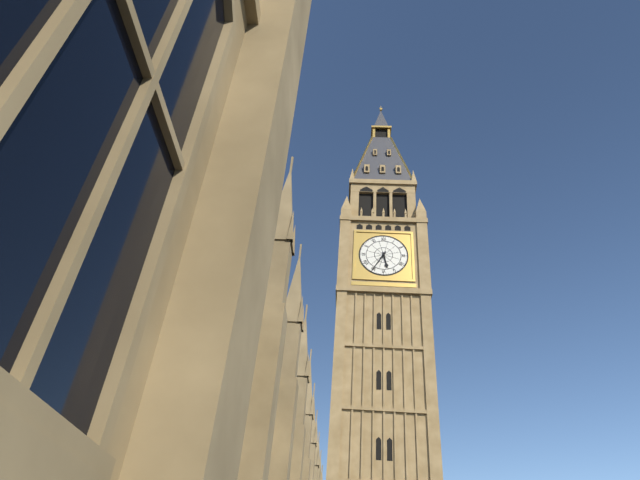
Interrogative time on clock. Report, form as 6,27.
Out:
5,35
